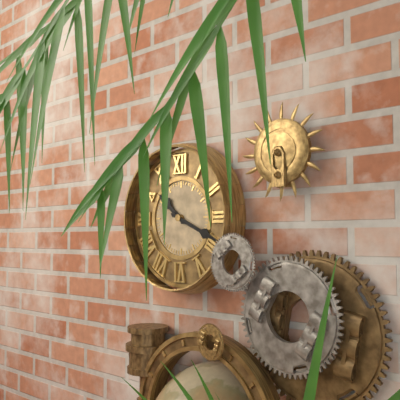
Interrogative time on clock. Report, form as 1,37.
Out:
10,19
